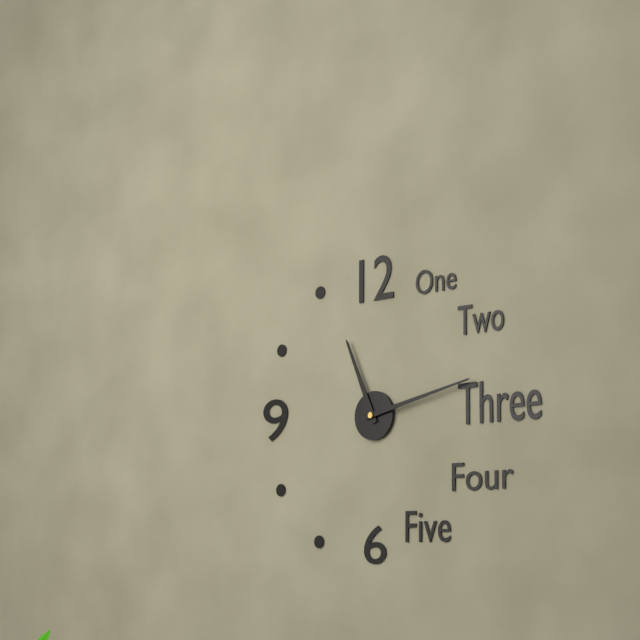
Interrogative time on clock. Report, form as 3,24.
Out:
11,13
